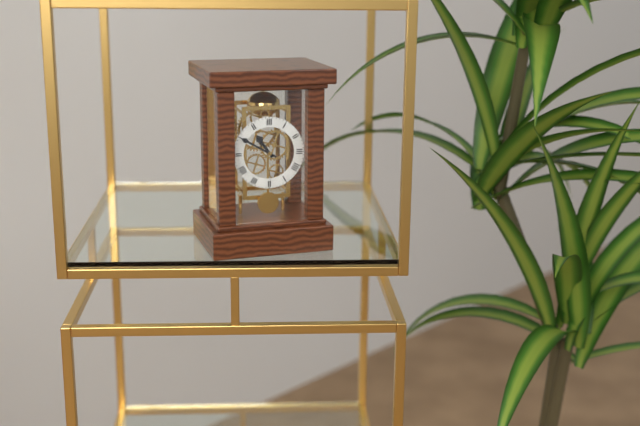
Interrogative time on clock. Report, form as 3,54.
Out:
10,50
